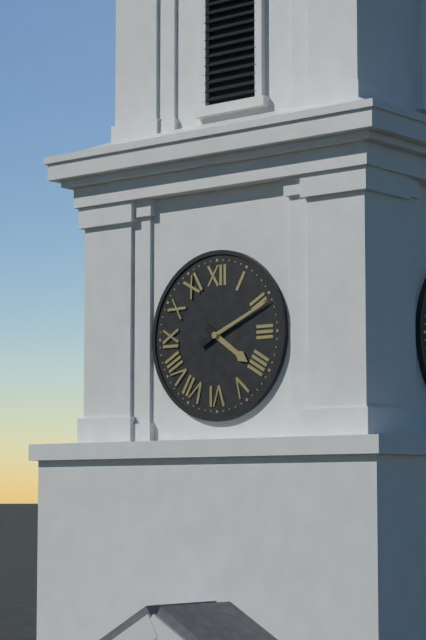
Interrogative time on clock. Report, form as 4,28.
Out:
4,11
